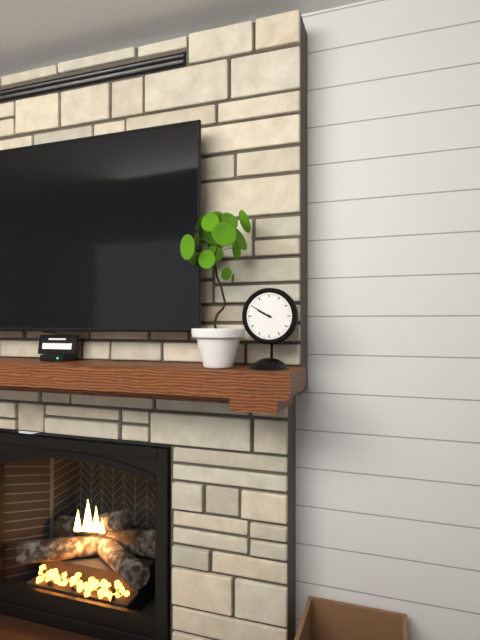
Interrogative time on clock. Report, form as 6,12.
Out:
9,50
